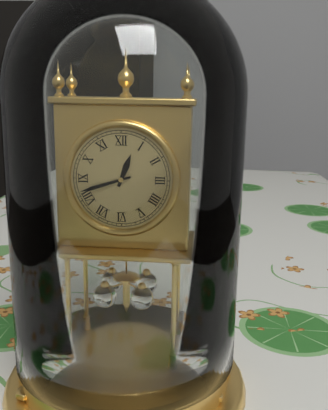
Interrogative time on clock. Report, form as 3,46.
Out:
12,42
